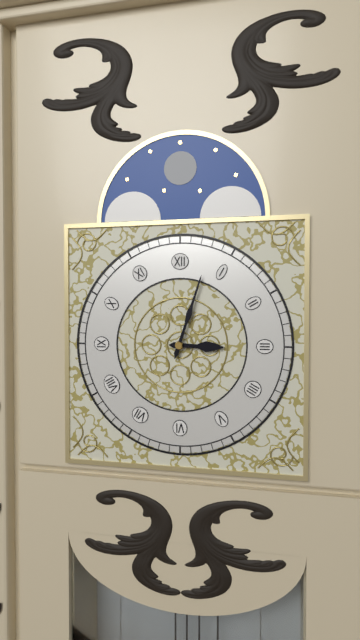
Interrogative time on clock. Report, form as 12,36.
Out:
3,03
